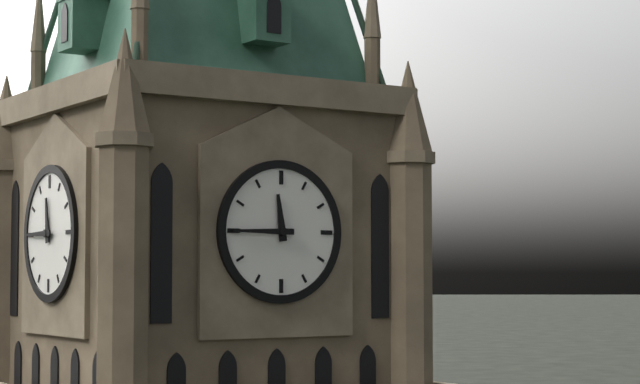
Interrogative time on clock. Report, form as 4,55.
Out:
11,45
